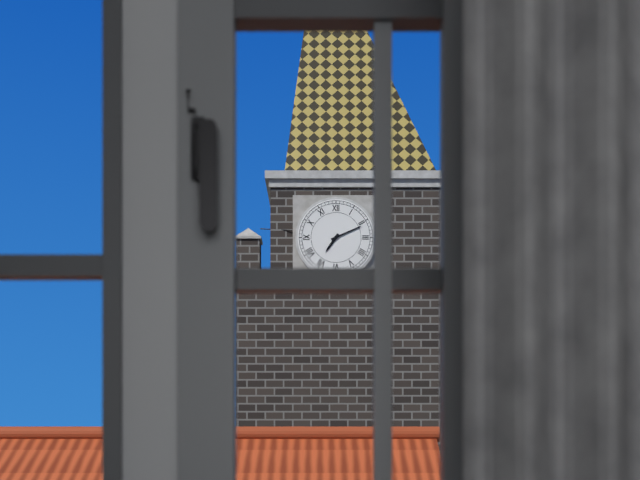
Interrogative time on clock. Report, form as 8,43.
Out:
7,11
